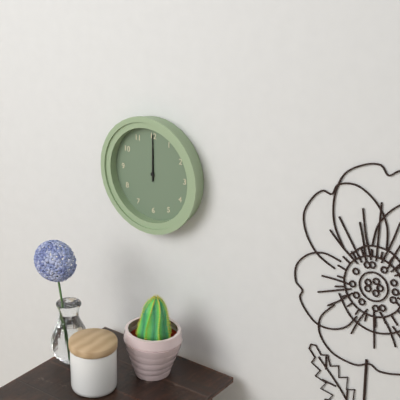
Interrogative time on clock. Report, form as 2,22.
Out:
12,00
